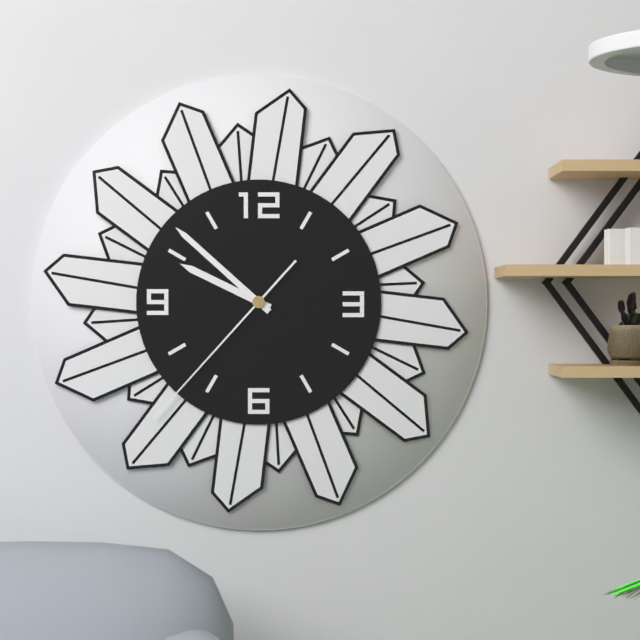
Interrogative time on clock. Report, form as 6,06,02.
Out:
9,52,37
